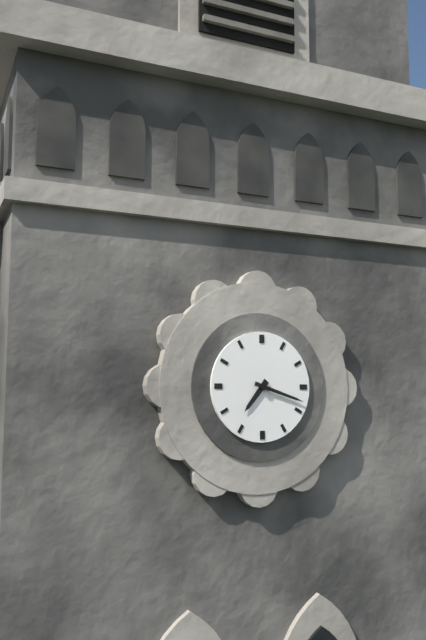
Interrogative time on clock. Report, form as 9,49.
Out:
7,18
